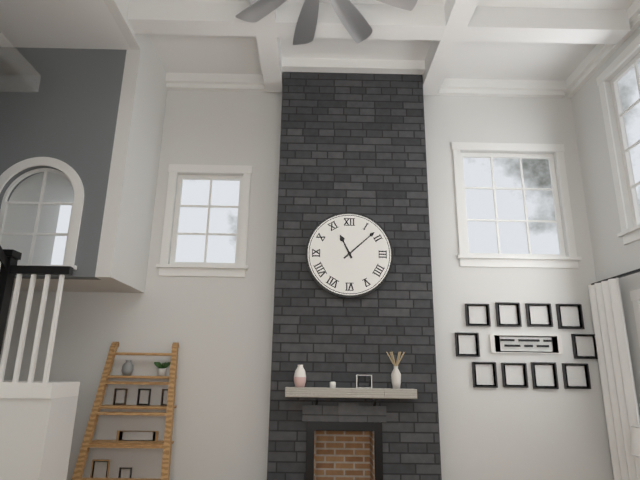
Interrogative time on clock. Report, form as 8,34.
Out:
11,08
